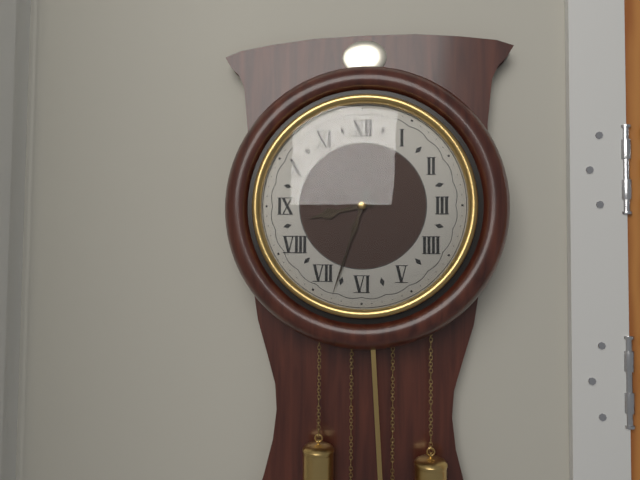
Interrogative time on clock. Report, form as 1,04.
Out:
8,33
